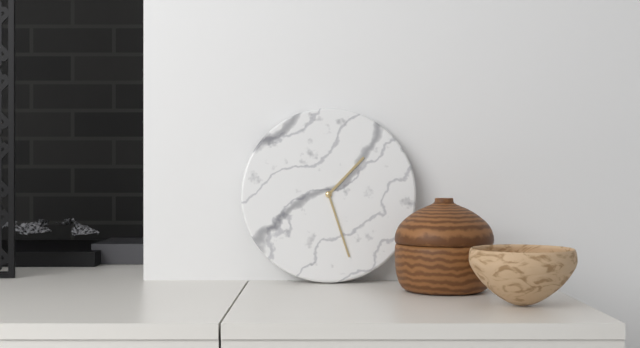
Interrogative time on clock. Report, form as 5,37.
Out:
1,27
